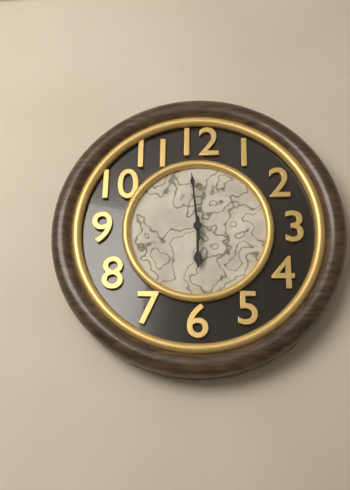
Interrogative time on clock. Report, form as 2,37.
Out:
5,59
